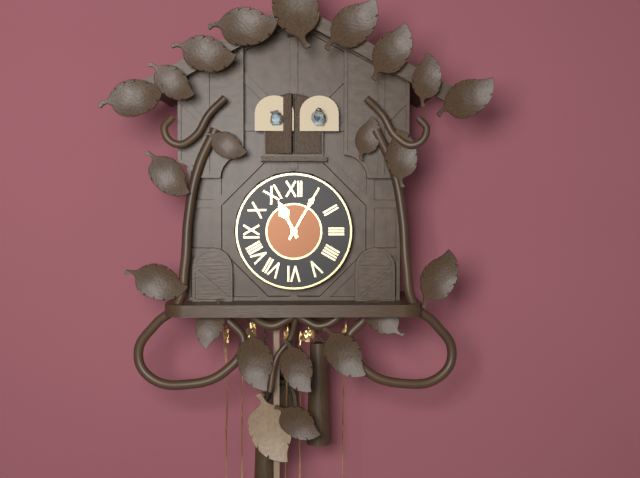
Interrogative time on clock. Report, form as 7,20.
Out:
11,05
